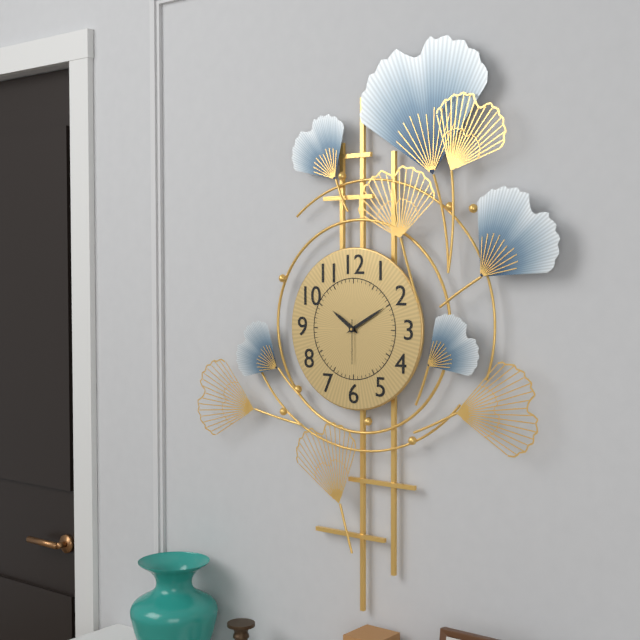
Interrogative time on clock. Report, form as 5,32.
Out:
10,10
